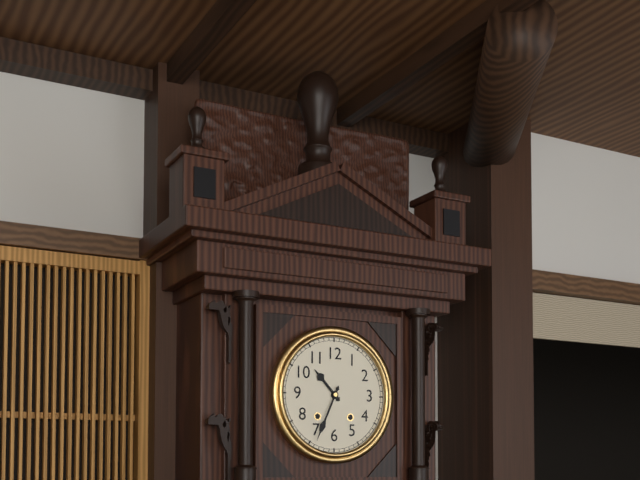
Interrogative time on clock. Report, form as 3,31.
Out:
10,34
